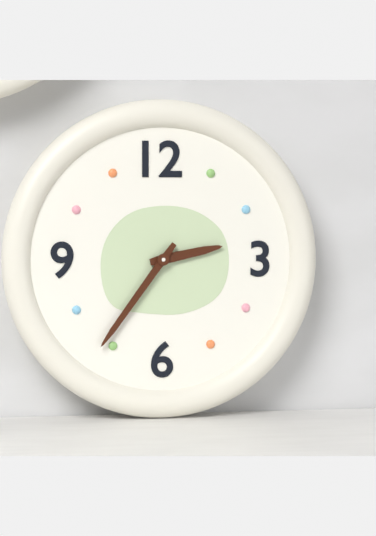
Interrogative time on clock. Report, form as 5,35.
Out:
2,36
